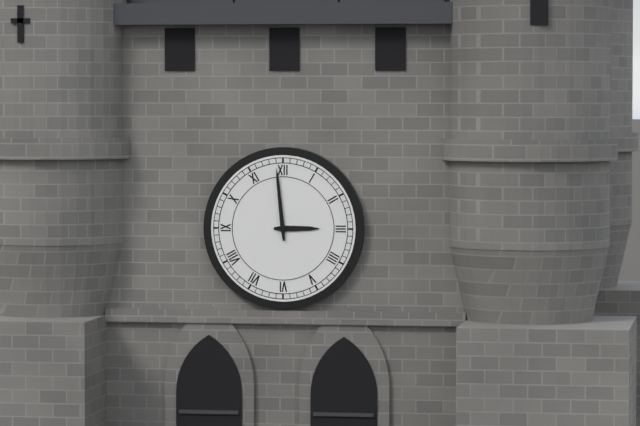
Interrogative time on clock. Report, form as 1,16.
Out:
2,59
